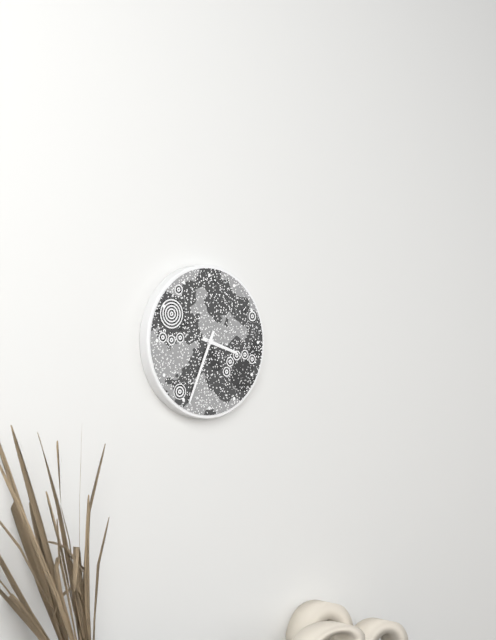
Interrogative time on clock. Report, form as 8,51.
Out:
3,34
